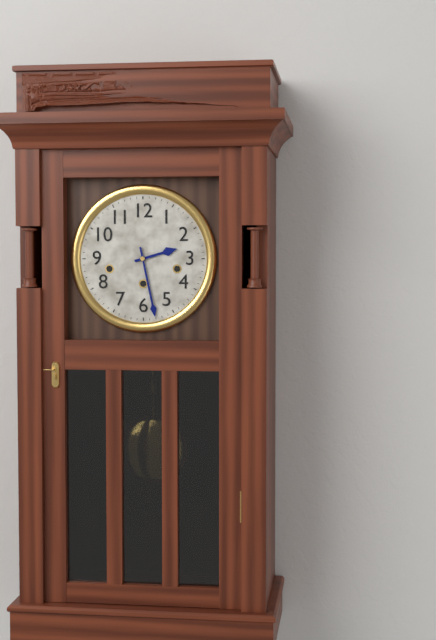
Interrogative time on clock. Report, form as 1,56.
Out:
2,28
